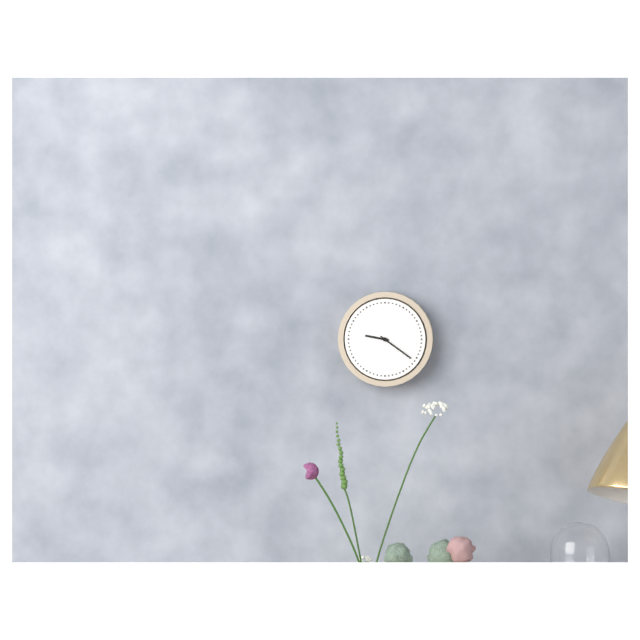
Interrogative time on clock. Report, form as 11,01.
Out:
9,21
